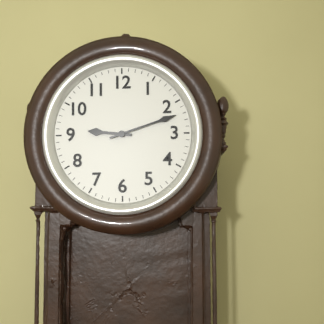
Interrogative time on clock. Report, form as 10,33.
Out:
9,12
